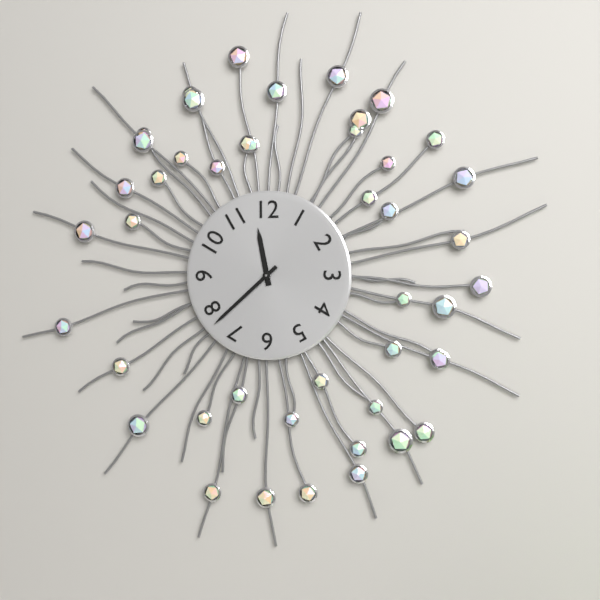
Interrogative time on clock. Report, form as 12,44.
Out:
11,38
